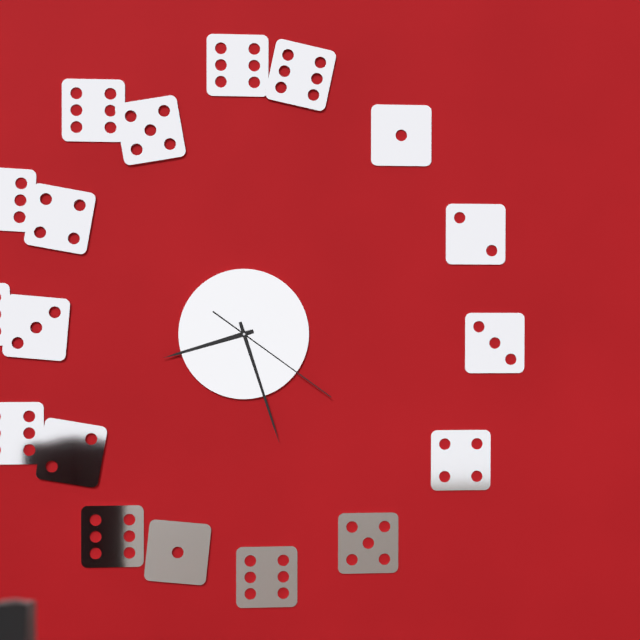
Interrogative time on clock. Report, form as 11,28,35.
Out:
8,27,21
